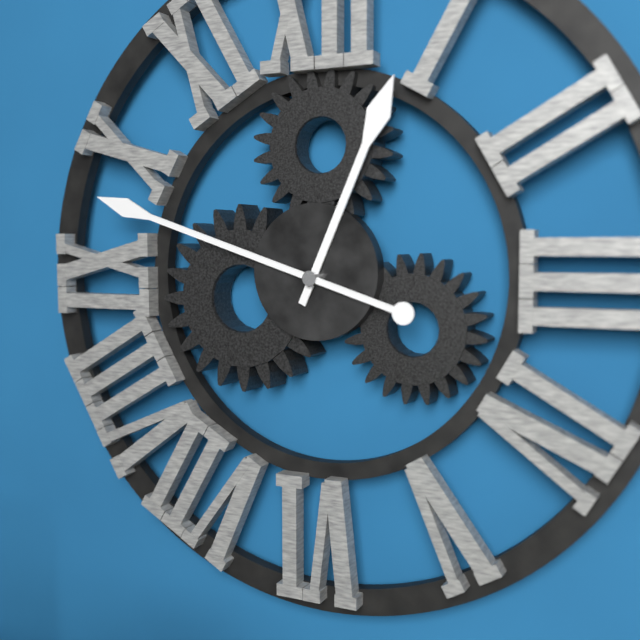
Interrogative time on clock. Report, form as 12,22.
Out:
12,48
